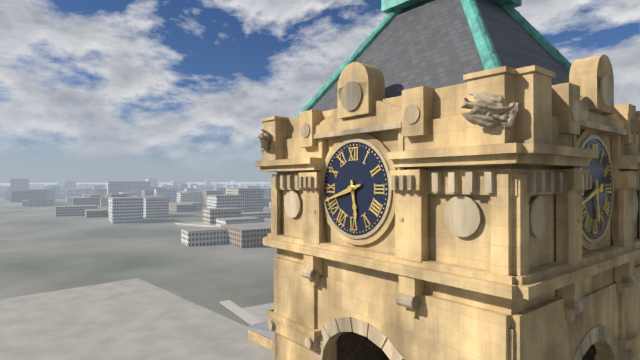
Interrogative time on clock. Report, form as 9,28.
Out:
5,42
